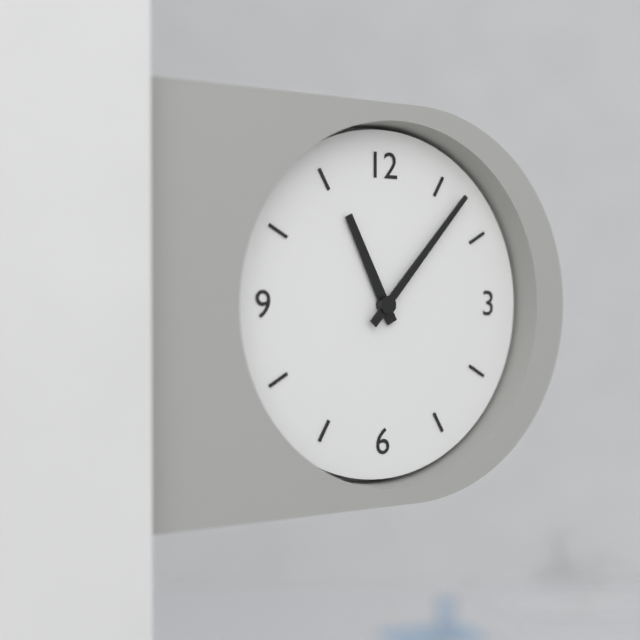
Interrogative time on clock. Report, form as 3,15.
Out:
11,07
